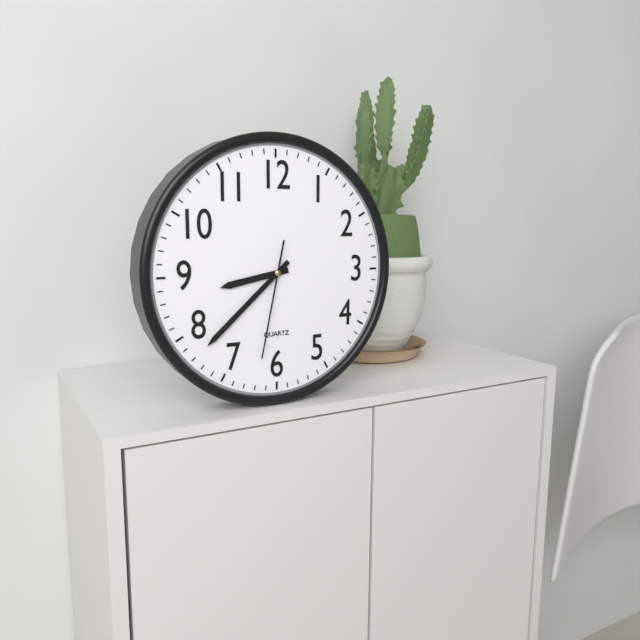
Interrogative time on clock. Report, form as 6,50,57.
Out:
8,38,32
